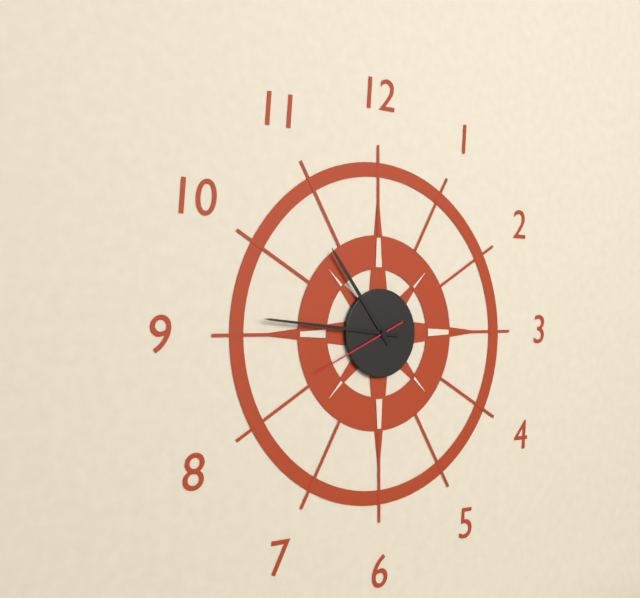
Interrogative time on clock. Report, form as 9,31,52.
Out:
10,46,41
